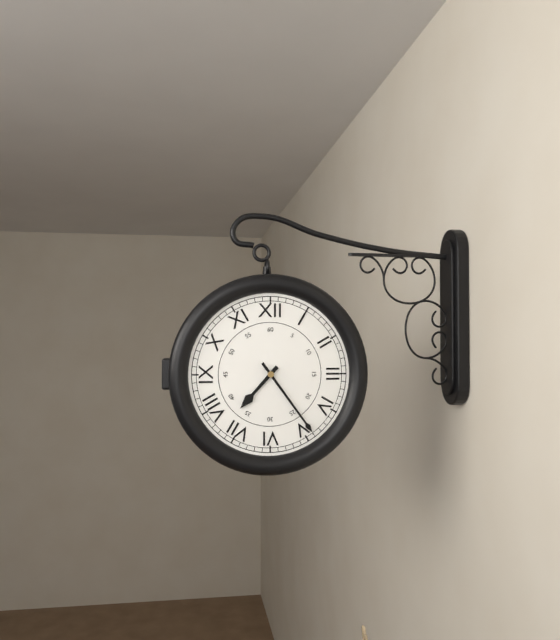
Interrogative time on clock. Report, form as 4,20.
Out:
7,24
